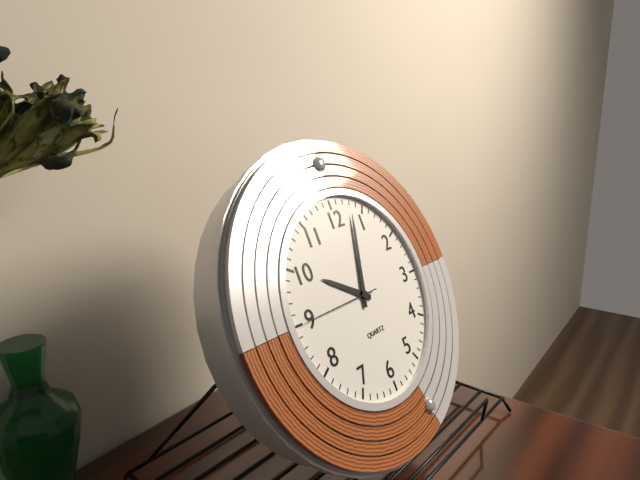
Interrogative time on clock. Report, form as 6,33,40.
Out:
10,03,45
